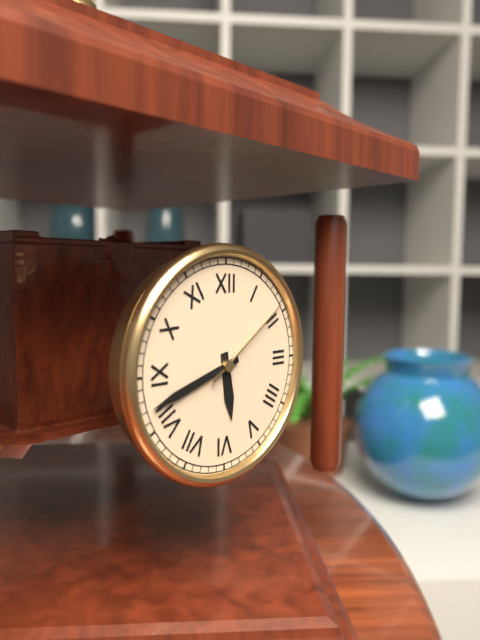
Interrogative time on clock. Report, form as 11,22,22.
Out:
5,42,09
